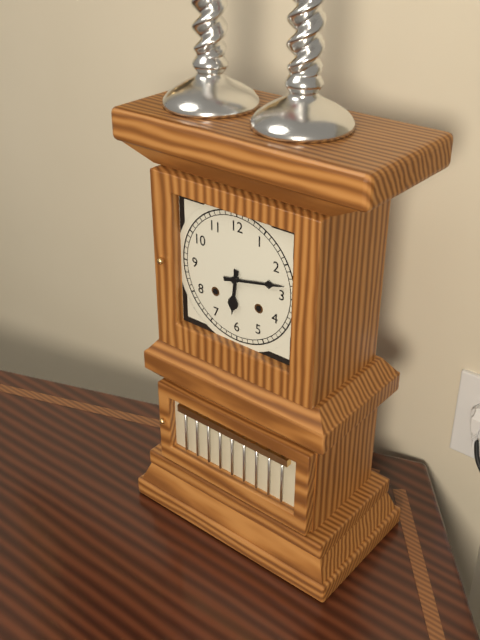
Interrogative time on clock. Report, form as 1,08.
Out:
6,13
